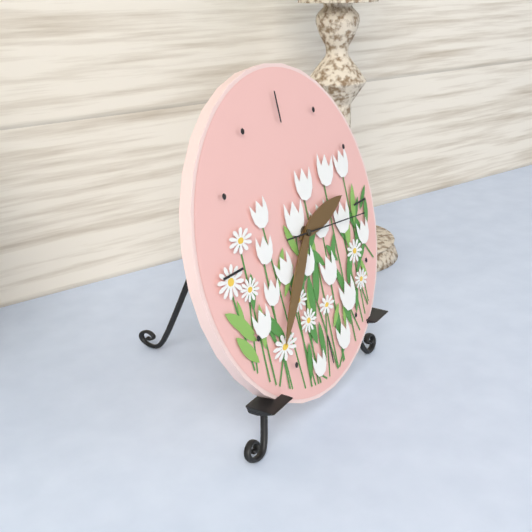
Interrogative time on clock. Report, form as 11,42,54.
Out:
2,37,16
